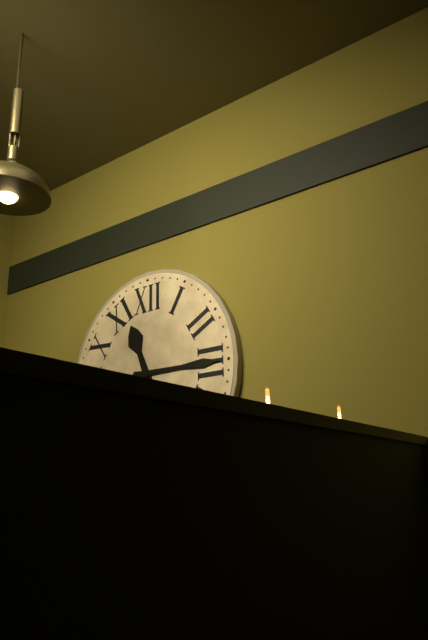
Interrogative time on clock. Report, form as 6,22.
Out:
11,15
